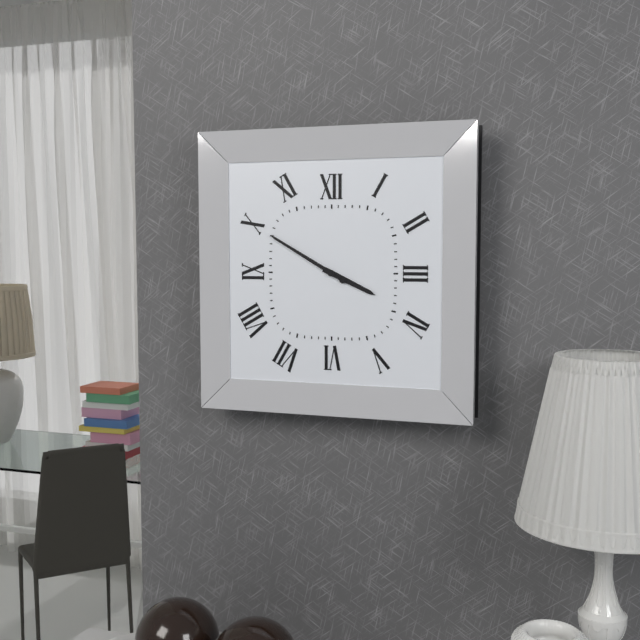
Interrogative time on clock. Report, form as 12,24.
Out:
3,50
